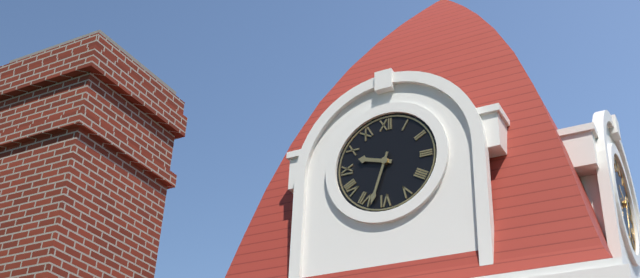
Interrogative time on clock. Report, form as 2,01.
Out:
9,33
